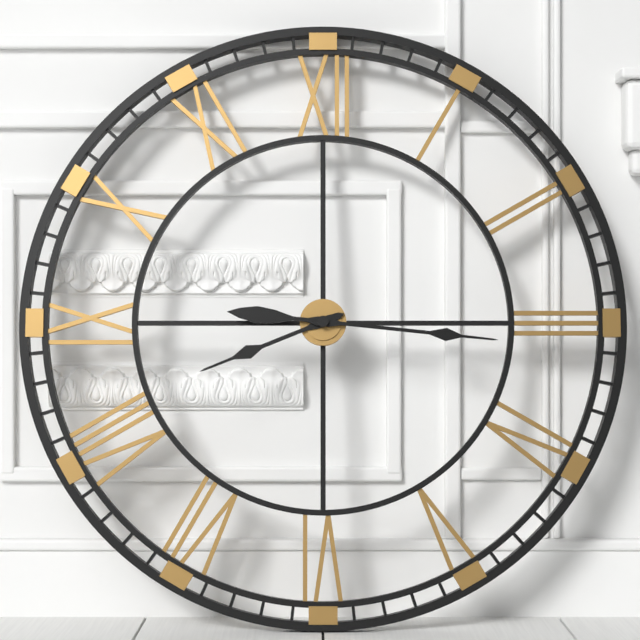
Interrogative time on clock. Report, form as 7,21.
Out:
8,16
